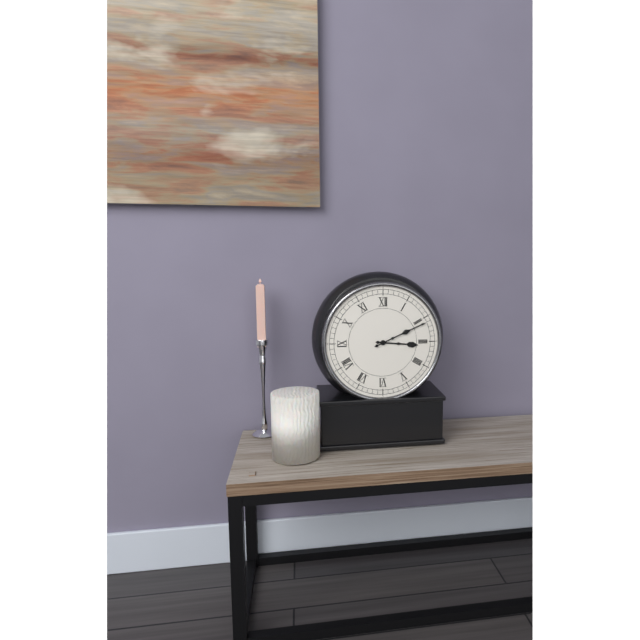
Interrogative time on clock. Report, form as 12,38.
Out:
3,11
